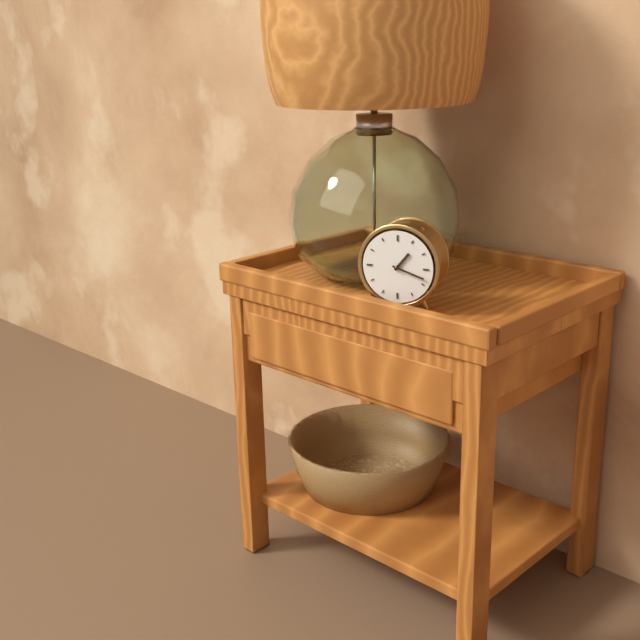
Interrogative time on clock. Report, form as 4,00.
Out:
1,18
